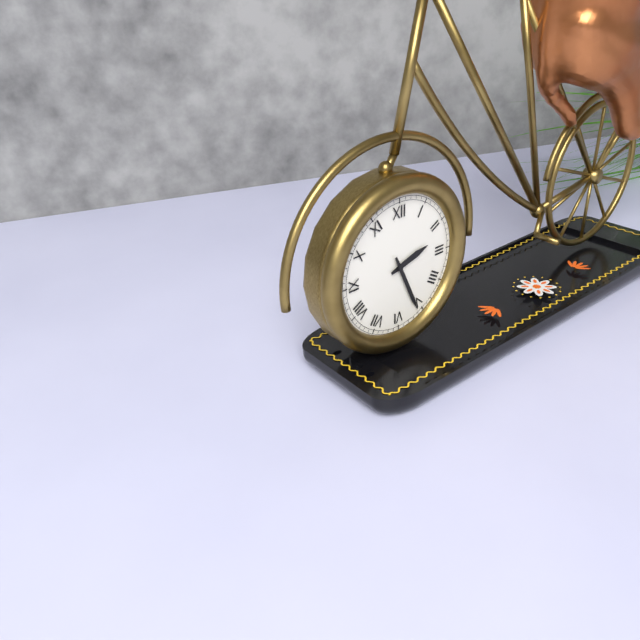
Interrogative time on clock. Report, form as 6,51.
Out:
2,26
